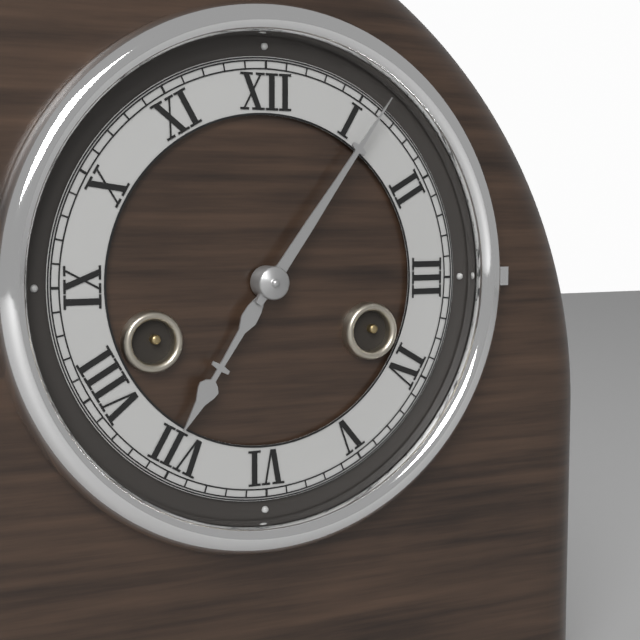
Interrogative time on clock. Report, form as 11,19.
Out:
7,06
